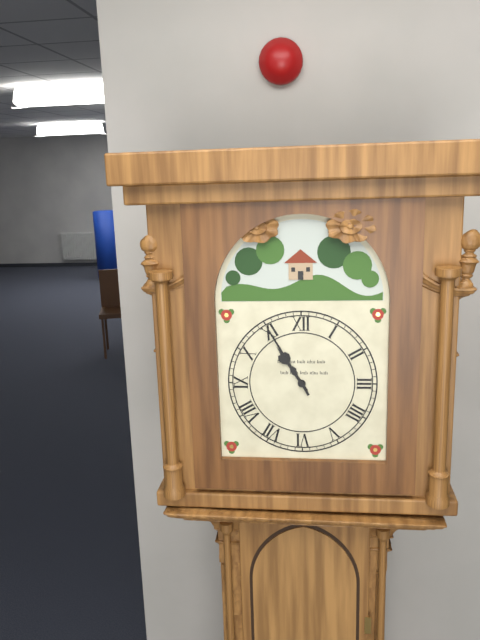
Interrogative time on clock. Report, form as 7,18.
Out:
10,55
